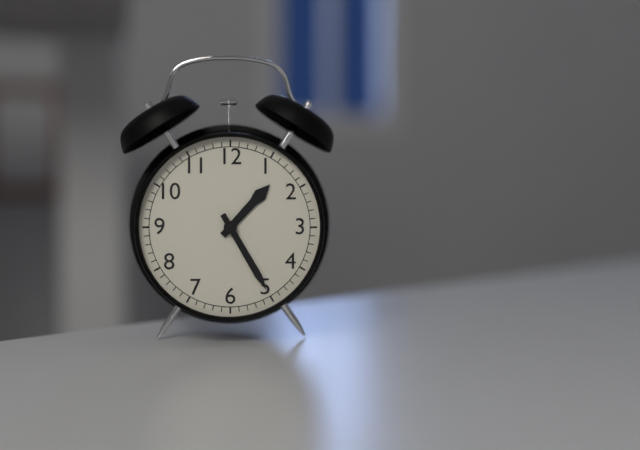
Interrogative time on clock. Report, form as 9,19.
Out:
1,25
